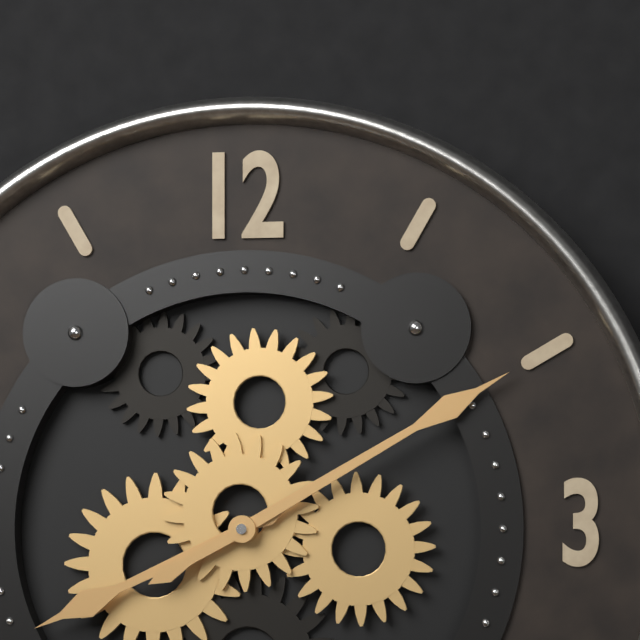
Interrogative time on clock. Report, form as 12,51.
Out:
8,10
